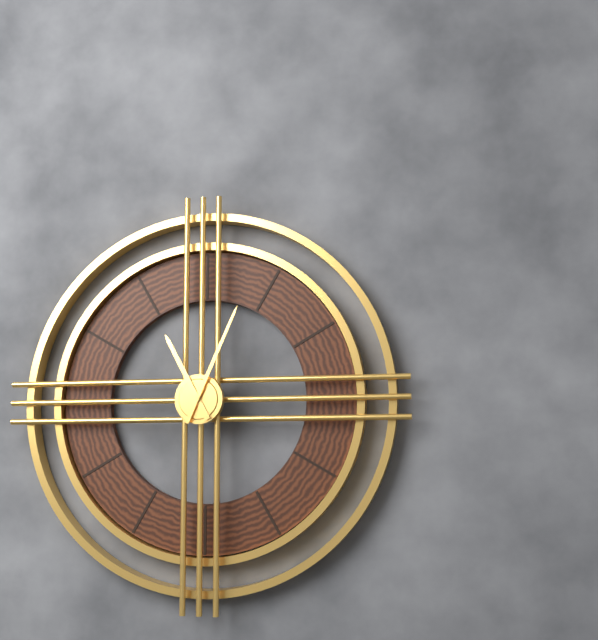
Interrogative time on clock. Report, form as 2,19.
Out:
11,04
